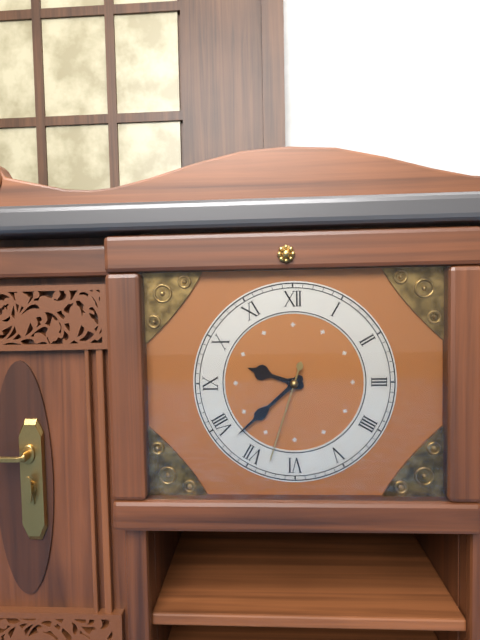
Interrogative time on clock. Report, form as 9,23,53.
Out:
9,38,33
